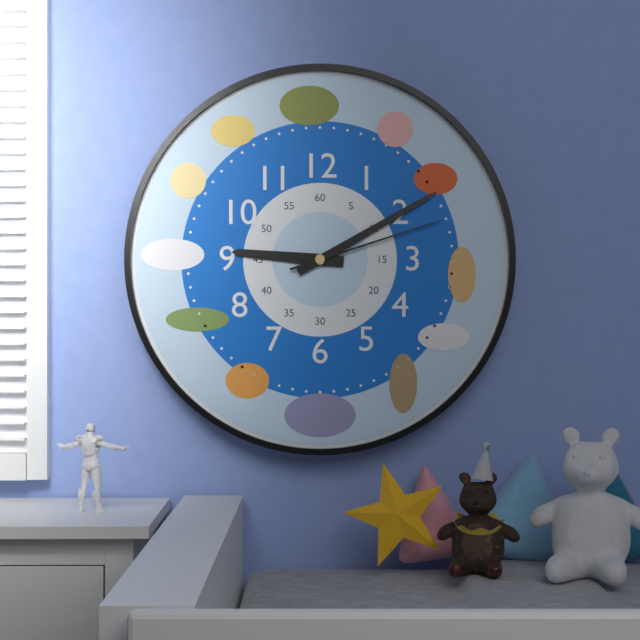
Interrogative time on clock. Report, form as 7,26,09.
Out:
9,10,12
